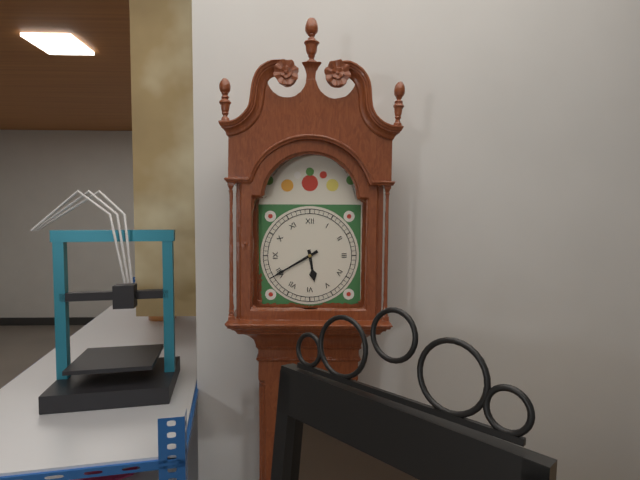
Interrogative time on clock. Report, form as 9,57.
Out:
5,40
